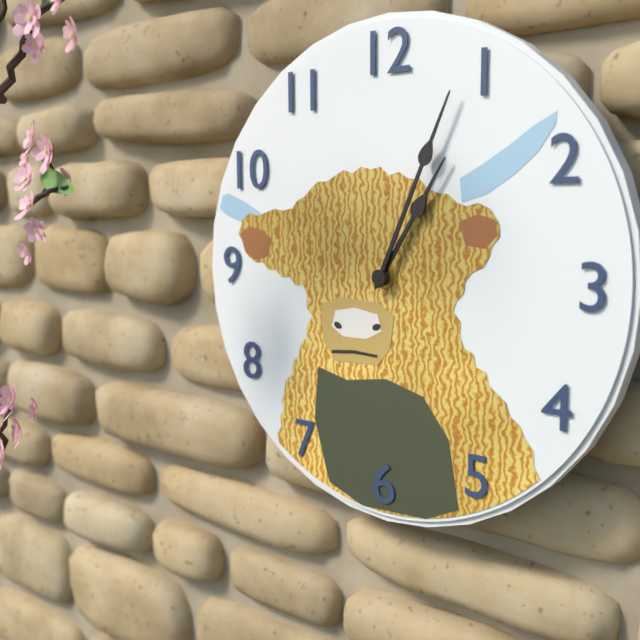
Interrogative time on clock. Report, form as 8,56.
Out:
1,04
